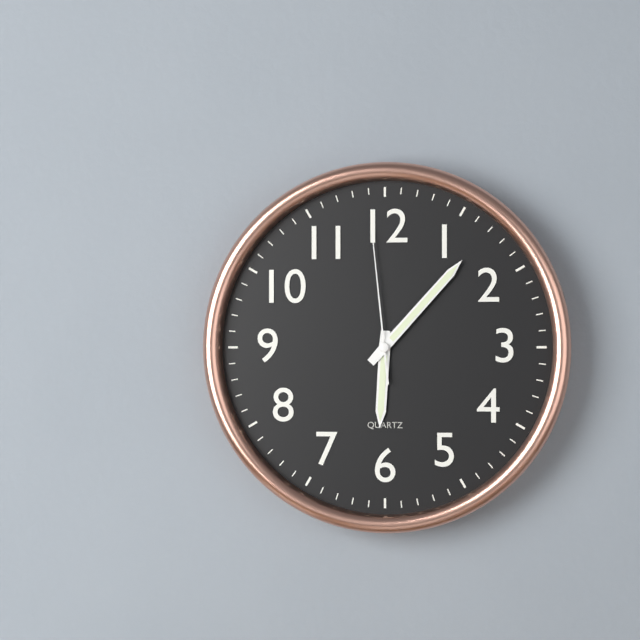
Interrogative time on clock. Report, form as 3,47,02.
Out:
6,07,59
